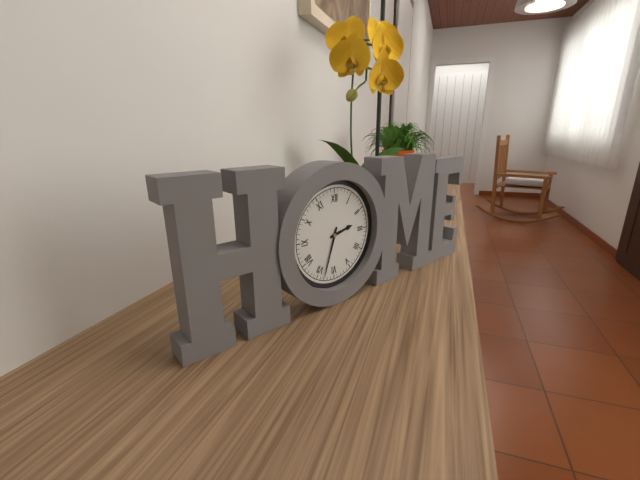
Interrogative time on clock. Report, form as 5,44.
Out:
2,33
